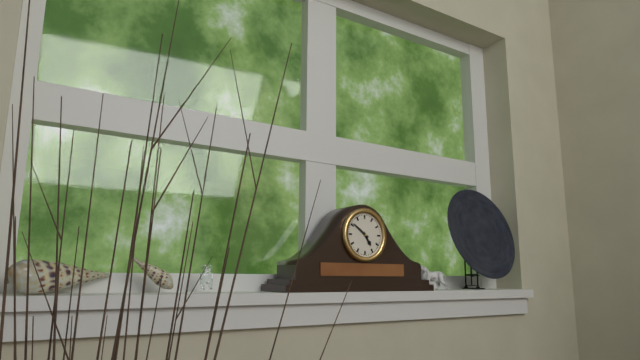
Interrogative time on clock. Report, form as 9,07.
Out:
4,51
